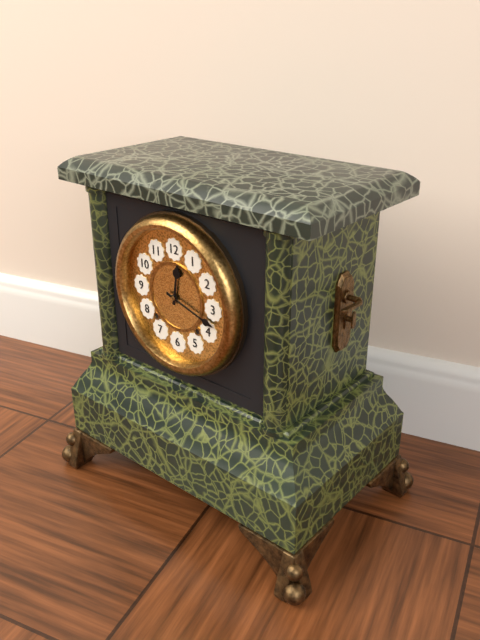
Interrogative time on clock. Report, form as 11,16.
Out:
12,18
